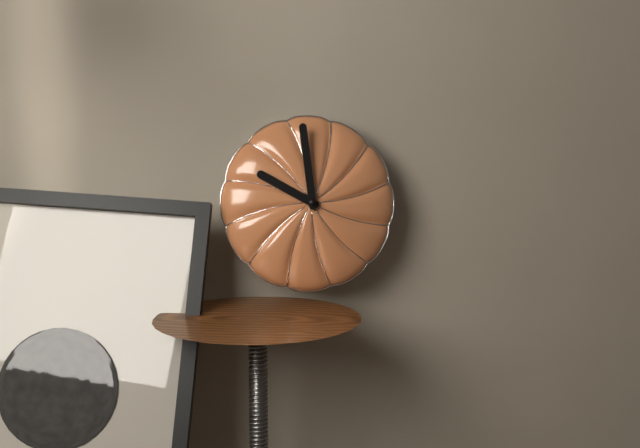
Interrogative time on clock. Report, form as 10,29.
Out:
9,59
